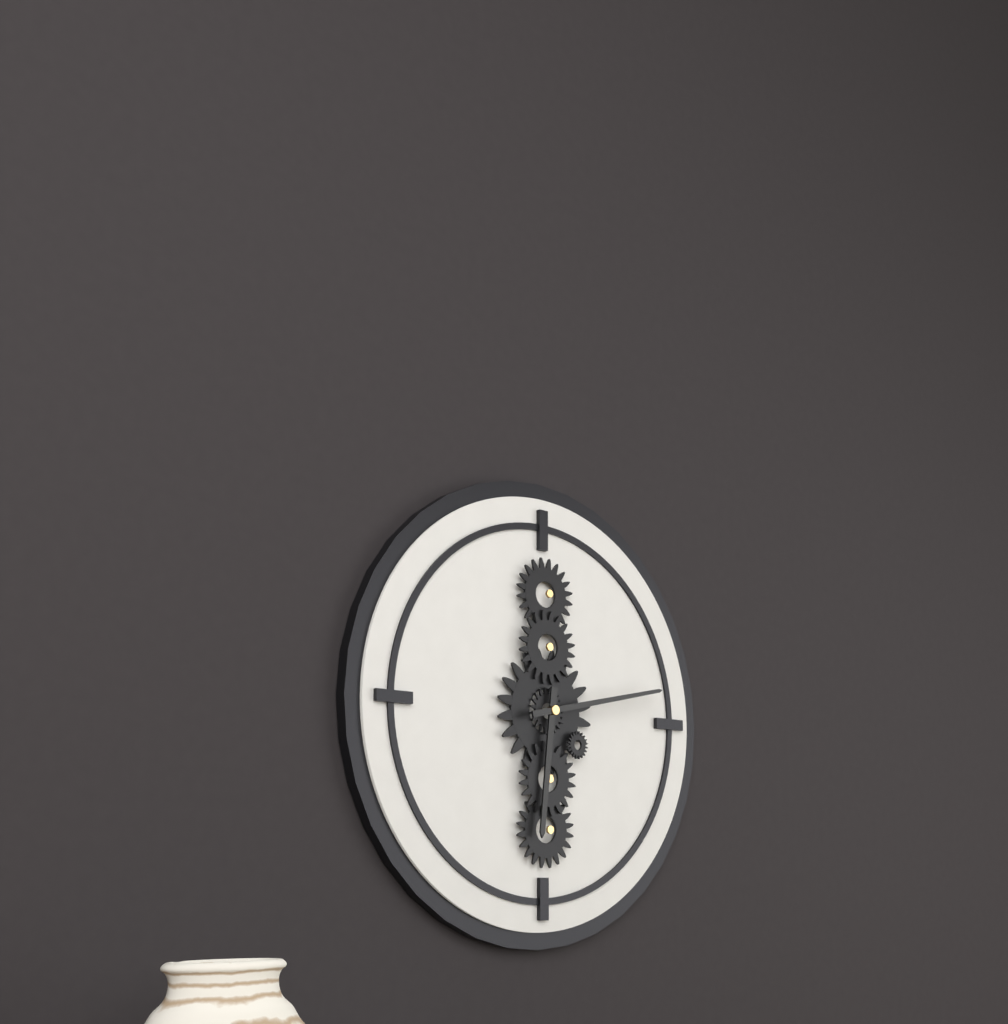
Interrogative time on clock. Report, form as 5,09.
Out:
6,13
